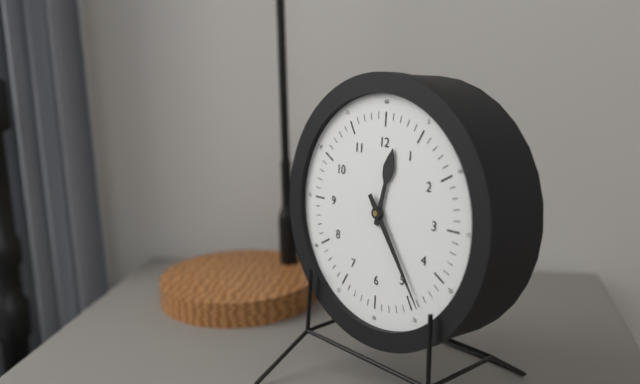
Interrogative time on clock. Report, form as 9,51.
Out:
12,24
